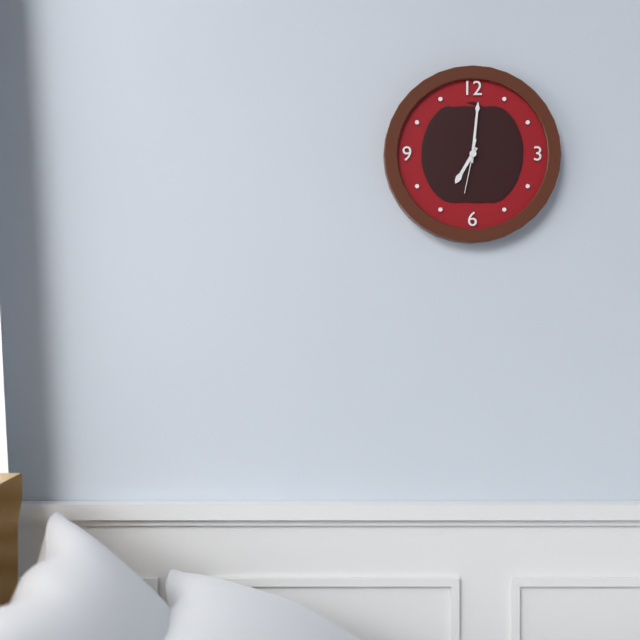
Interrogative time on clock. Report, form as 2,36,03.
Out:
7,01,32
